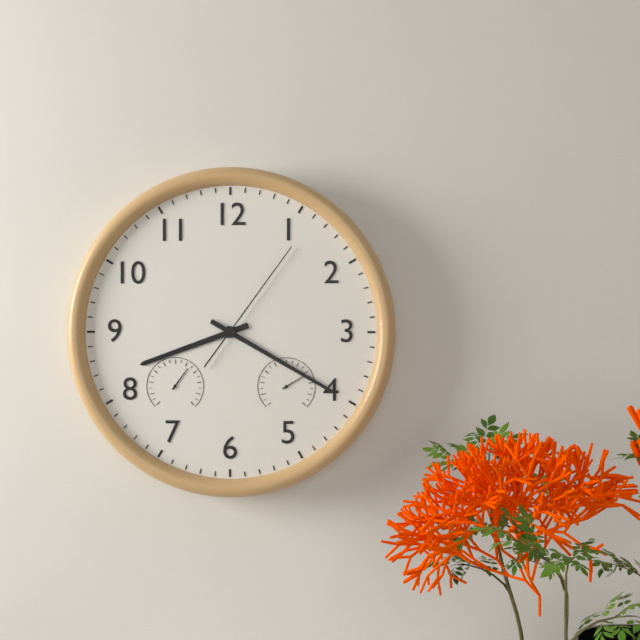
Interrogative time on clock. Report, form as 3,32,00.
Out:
8,20,06
